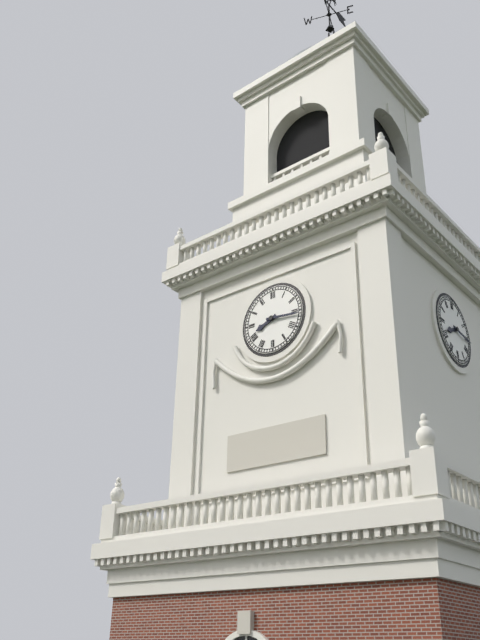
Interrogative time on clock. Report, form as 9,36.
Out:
8,16
